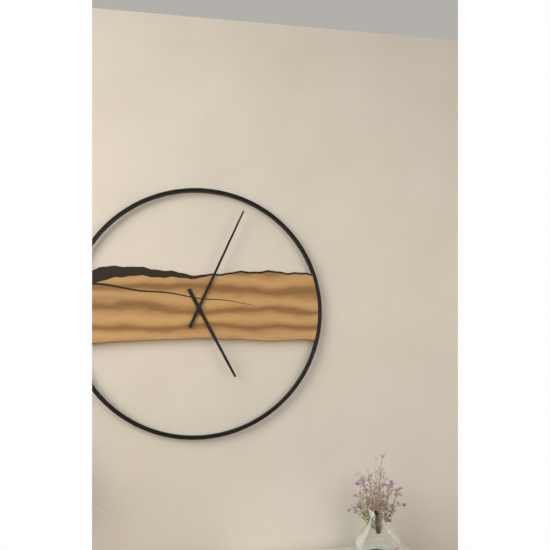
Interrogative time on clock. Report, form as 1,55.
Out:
5,04
